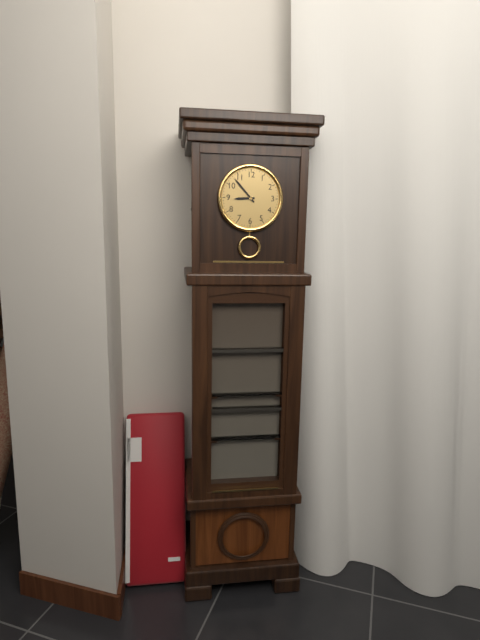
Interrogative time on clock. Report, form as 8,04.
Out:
8,53
